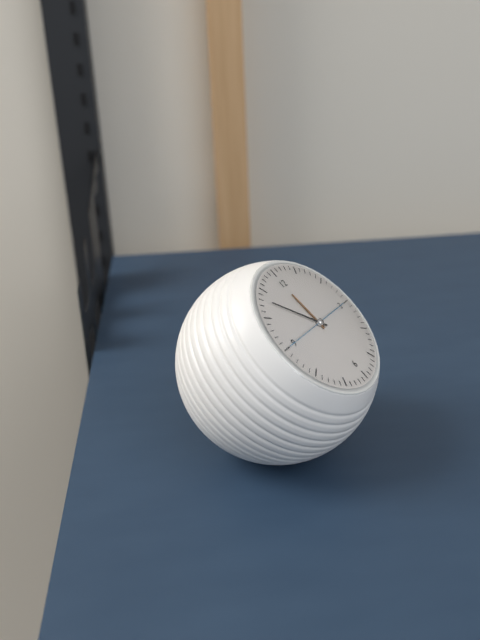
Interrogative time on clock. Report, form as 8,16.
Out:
11,53
